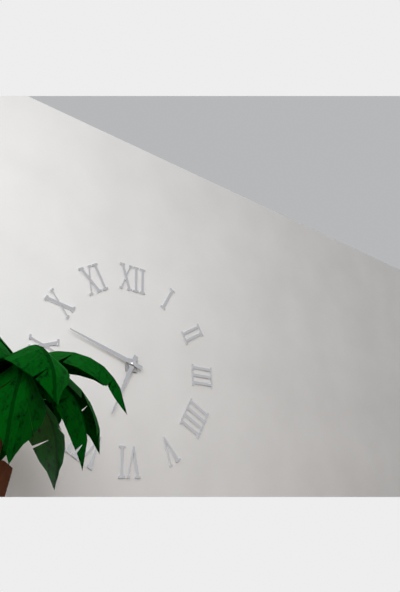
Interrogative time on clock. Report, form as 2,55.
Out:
6,48
